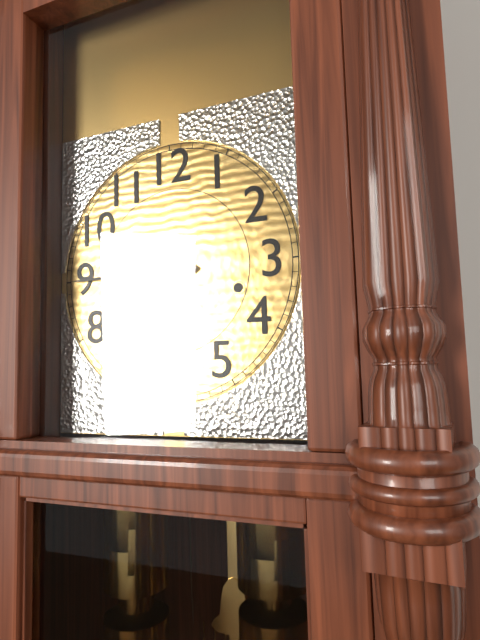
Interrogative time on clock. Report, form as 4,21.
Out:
9,45
